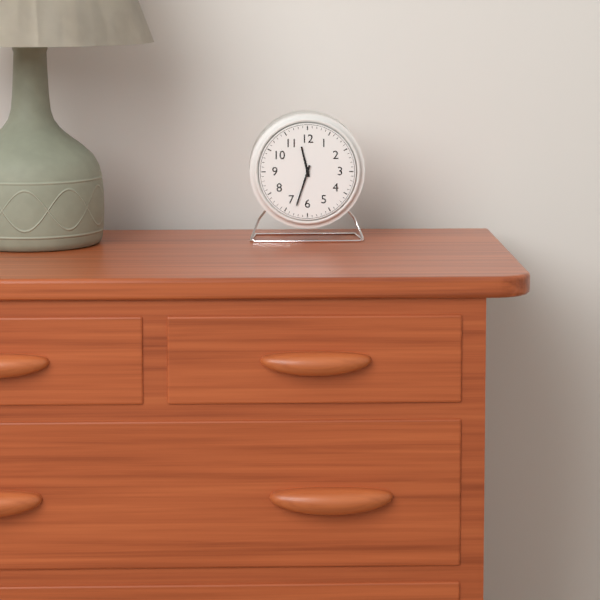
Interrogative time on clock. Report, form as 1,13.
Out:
11,33
